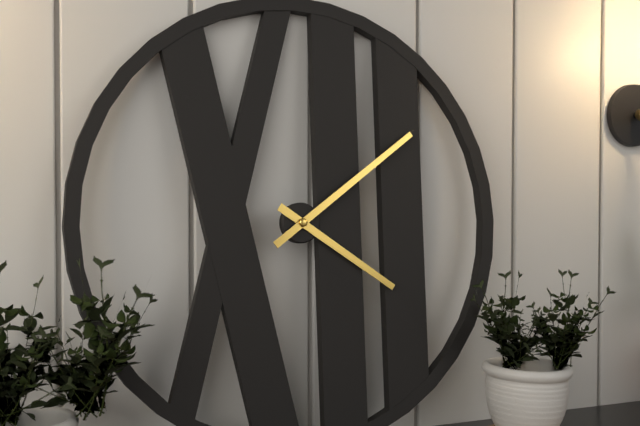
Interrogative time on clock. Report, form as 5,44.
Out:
4,09
